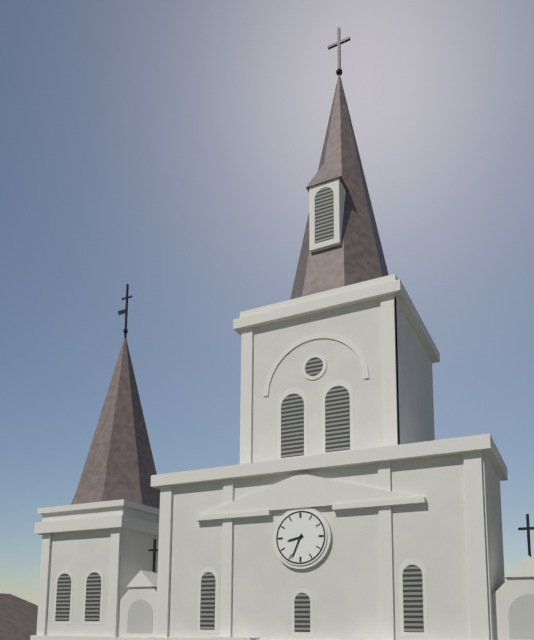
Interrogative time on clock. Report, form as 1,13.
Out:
8,34
